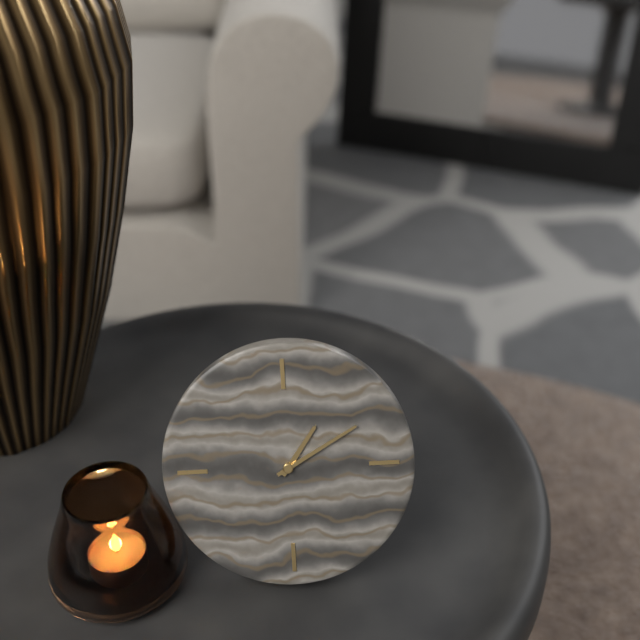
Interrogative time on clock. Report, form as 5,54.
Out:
1,10
